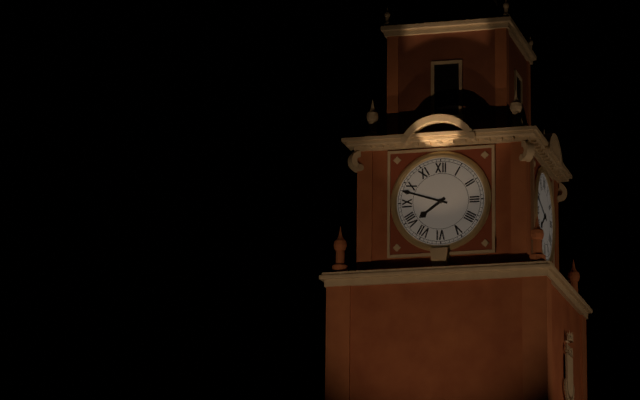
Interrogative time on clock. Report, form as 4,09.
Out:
7,48
